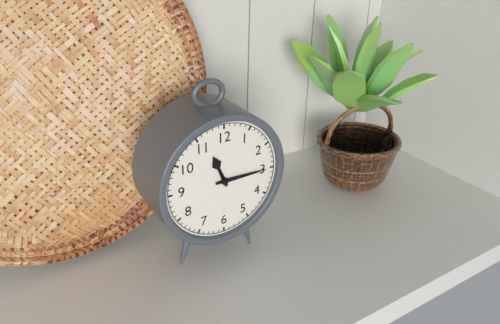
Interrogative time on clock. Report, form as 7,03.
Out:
11,15
